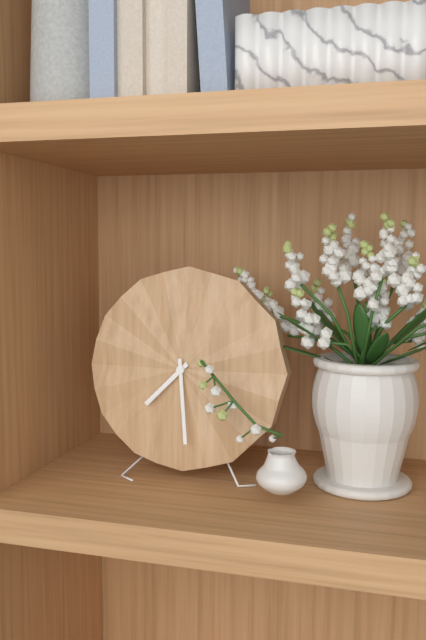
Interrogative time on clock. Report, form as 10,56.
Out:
7,29
